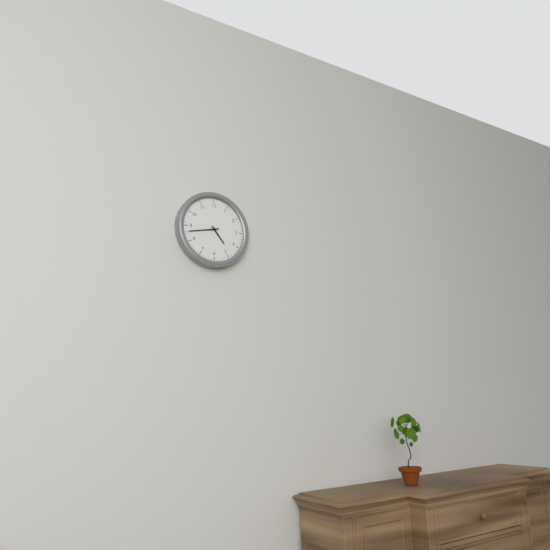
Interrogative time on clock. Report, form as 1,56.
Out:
4,43
